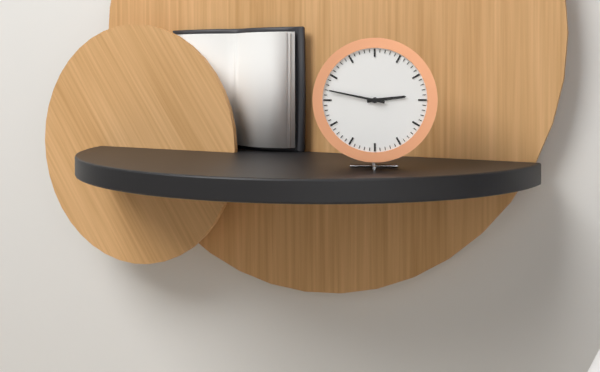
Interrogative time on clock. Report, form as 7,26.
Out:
2,47
